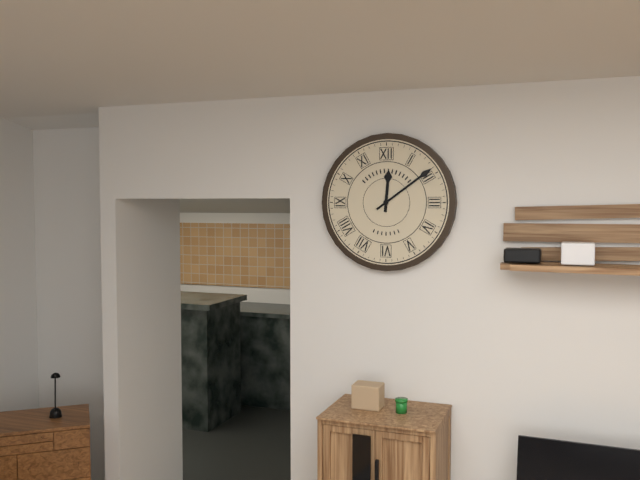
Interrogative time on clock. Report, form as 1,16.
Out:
12,09
